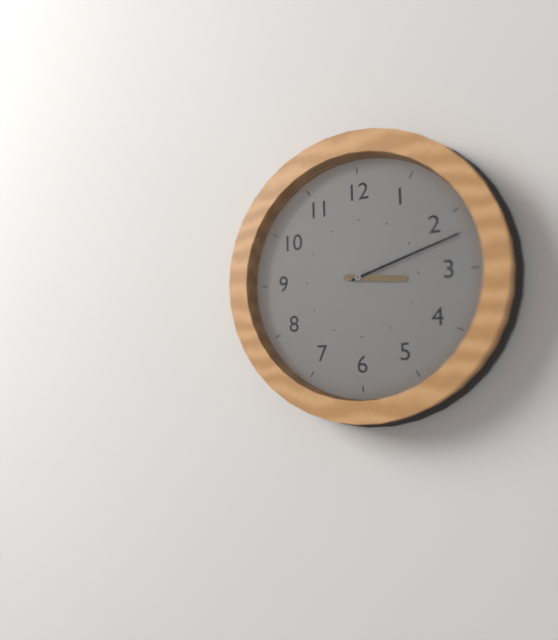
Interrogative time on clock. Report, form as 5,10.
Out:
3,12
